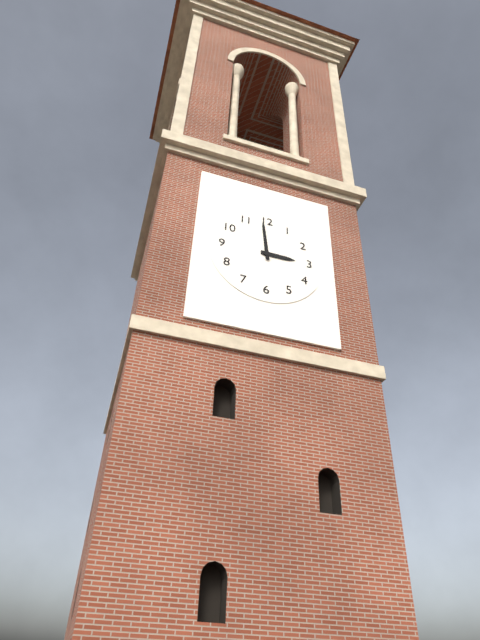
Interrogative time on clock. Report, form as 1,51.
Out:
2,59
